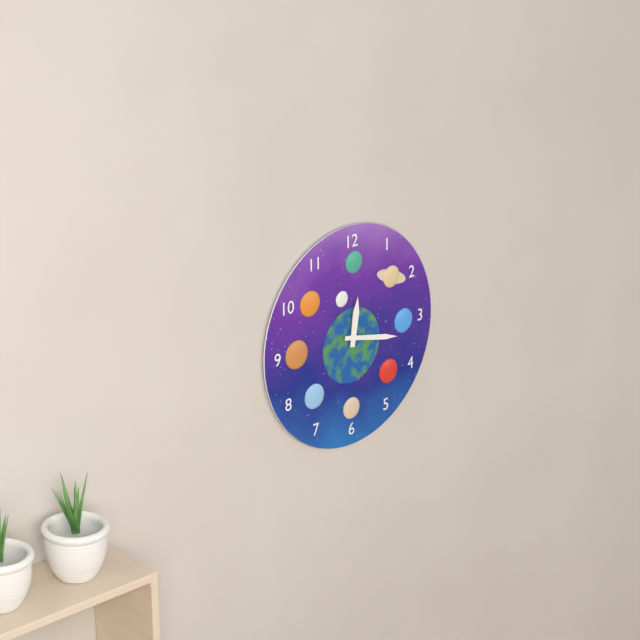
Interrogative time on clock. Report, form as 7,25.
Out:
12,17
